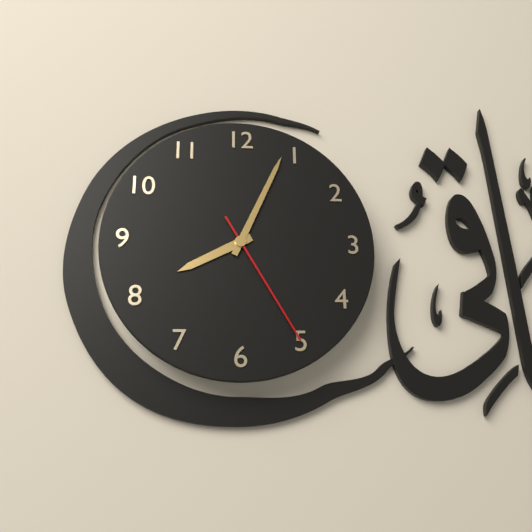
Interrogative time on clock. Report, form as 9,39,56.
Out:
8,04,25
